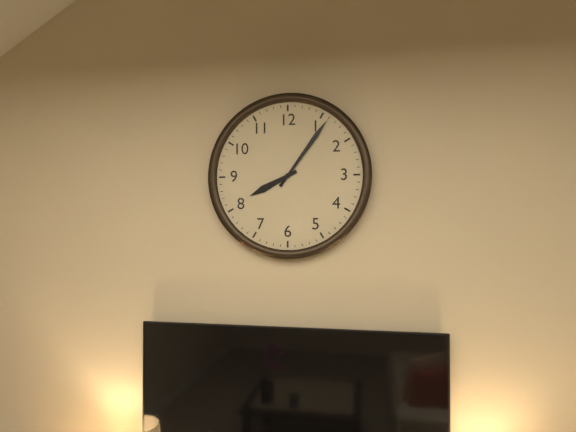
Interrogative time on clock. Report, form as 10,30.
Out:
8,06
